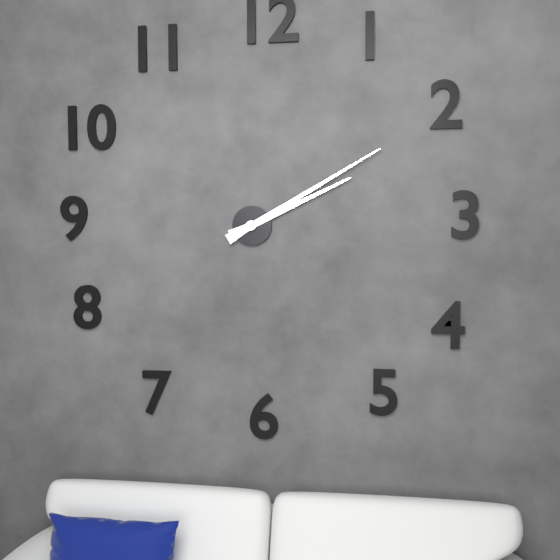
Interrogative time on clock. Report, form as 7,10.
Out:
2,10
